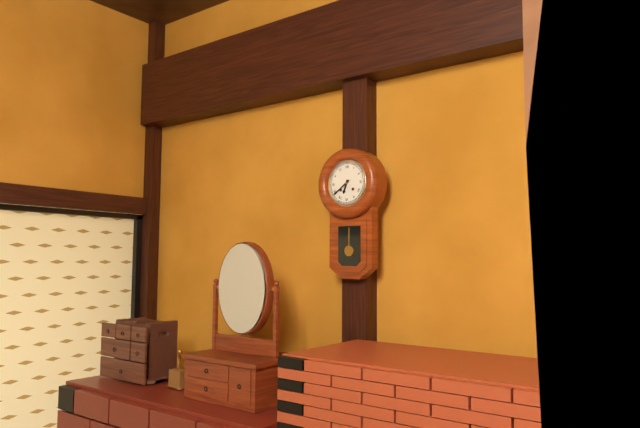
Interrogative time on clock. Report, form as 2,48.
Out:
6,39
